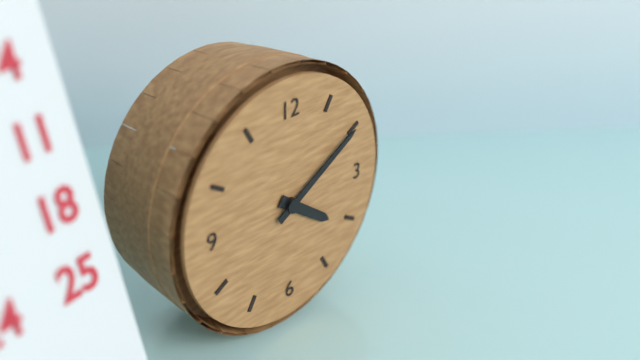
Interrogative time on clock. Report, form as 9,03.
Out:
4,10
